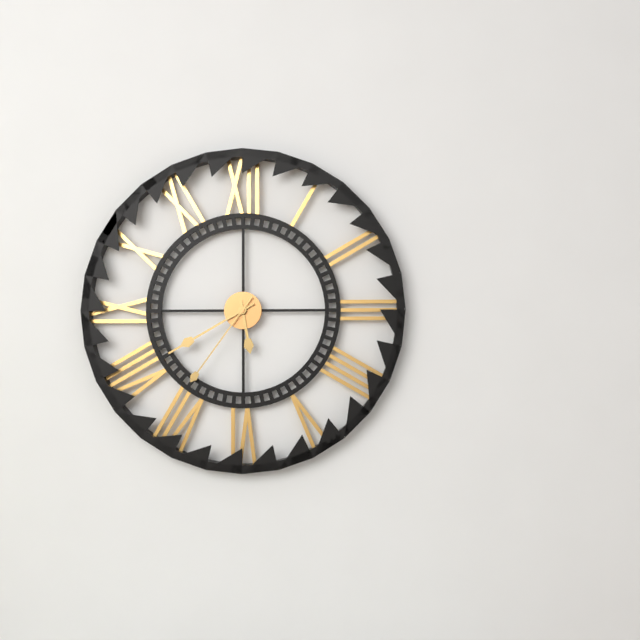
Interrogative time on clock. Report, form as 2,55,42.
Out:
5,40,36
